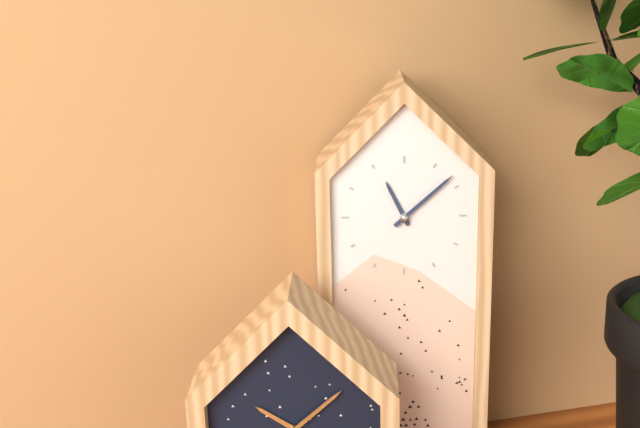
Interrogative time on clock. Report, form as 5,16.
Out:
11,08
